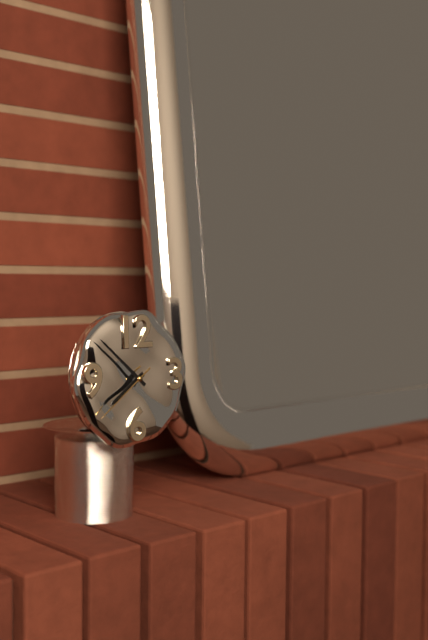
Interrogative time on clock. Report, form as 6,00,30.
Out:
7,52,39
